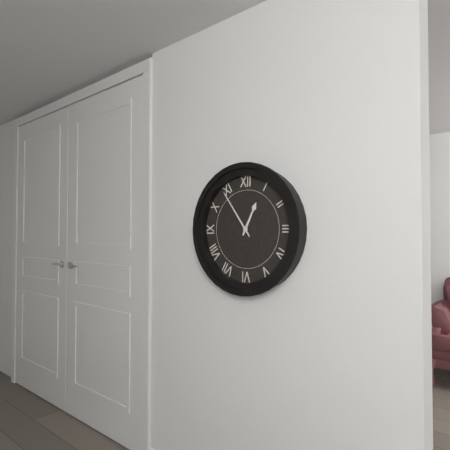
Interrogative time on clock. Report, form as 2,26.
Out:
12,54
